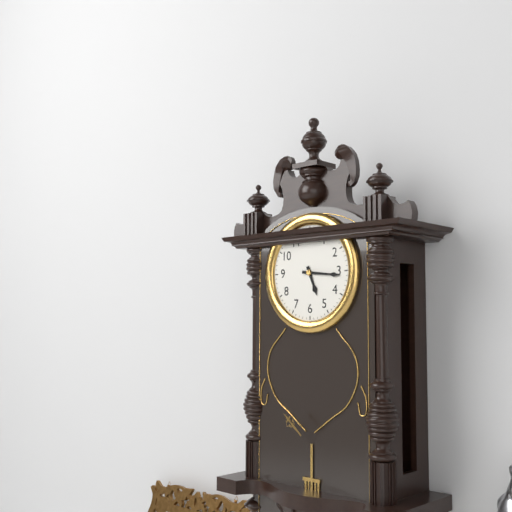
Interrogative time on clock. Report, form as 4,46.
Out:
5,16
